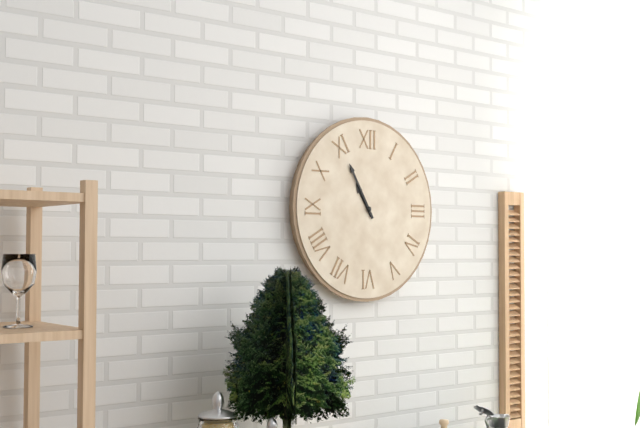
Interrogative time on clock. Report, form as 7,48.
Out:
10,55
